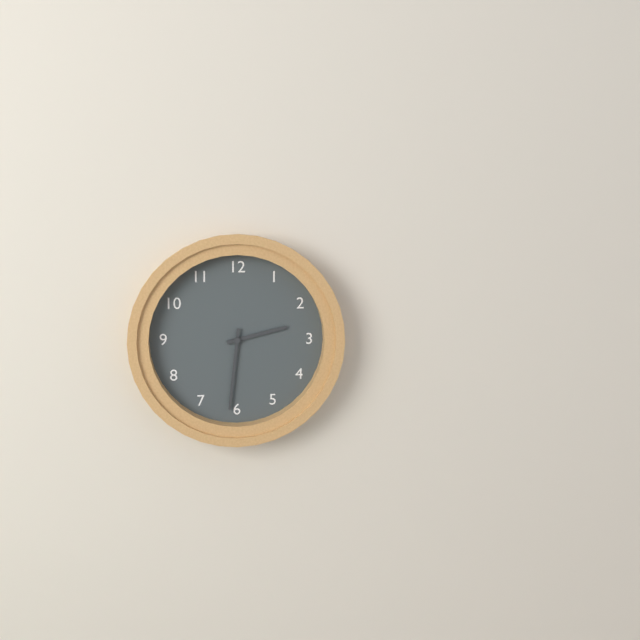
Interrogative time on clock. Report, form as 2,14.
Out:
2,31
